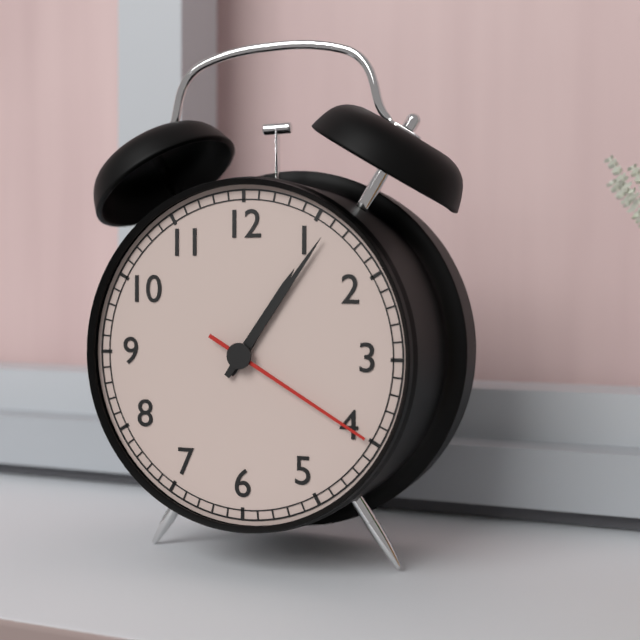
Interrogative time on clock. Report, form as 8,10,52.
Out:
1,06,20
